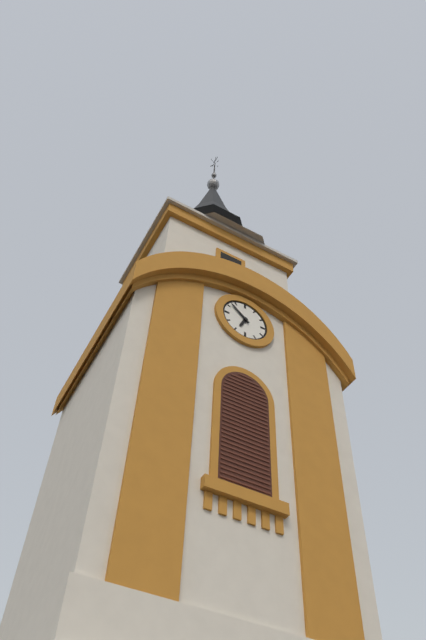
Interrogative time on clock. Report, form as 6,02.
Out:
6,52
